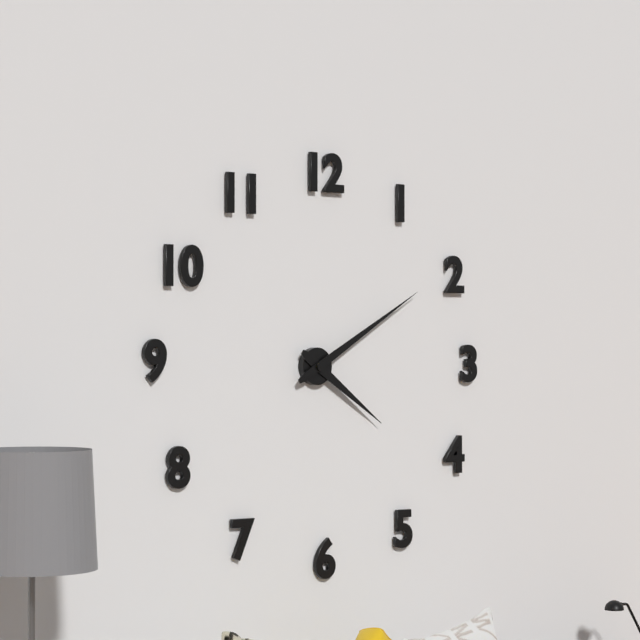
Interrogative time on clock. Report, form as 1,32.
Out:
4,10
